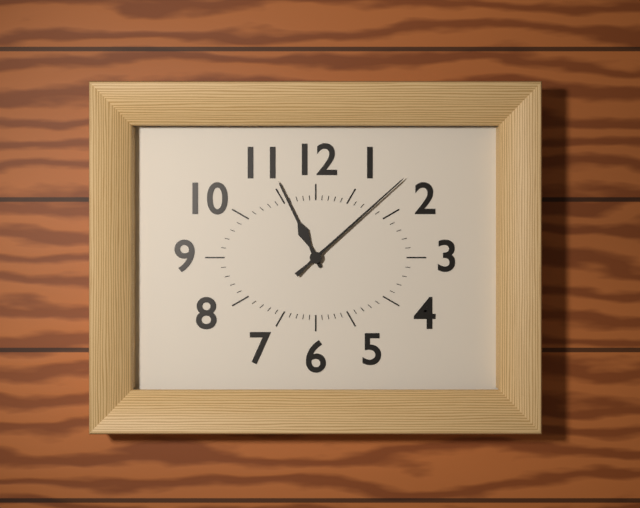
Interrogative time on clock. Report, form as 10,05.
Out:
11,08
